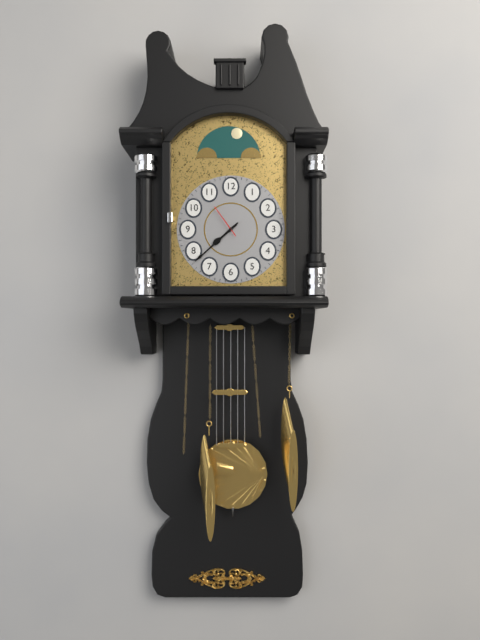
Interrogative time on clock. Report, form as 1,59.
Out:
7,38
